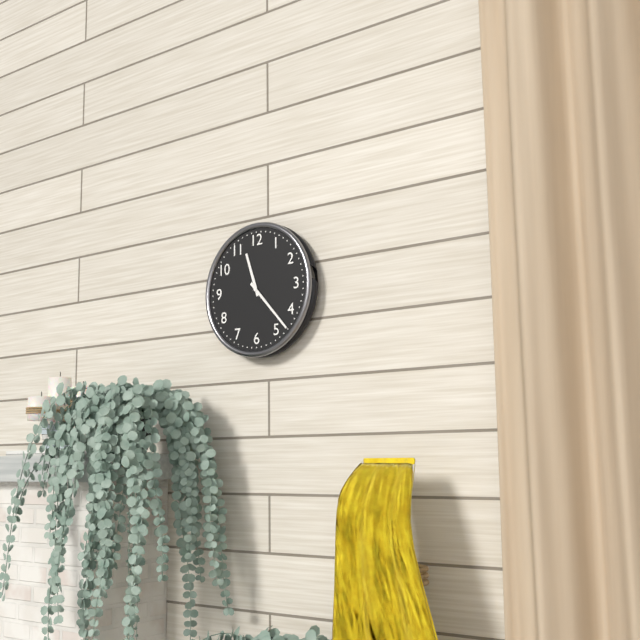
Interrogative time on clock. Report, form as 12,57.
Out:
11,23
